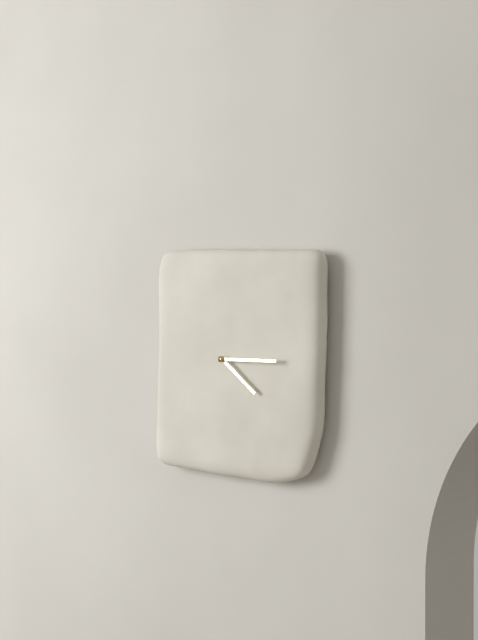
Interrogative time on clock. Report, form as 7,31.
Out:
4,15
